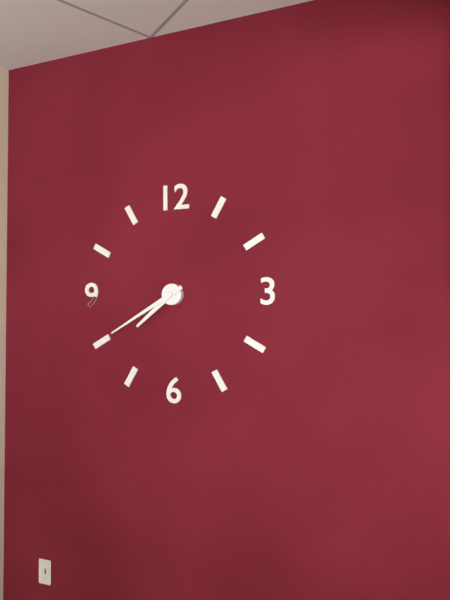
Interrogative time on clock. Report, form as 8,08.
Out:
7,40
